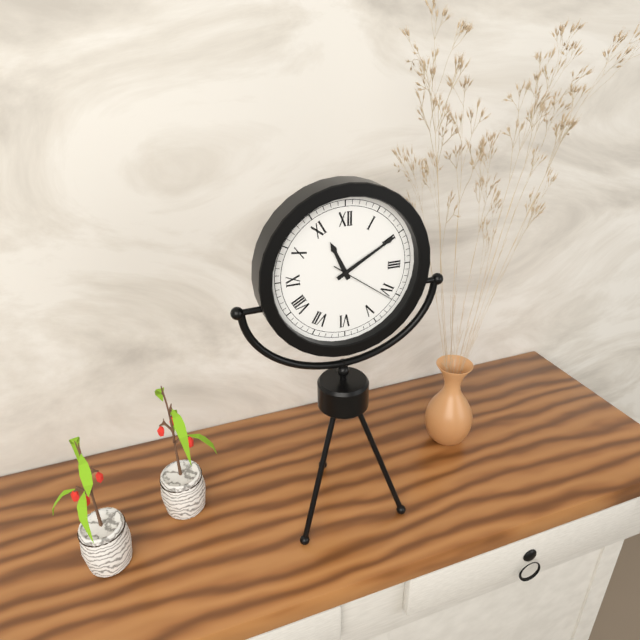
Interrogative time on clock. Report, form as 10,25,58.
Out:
11,10,21
